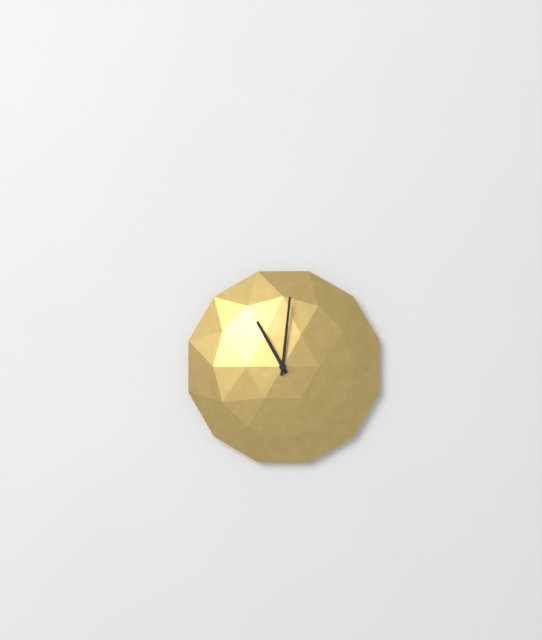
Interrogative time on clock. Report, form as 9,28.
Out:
11,01
